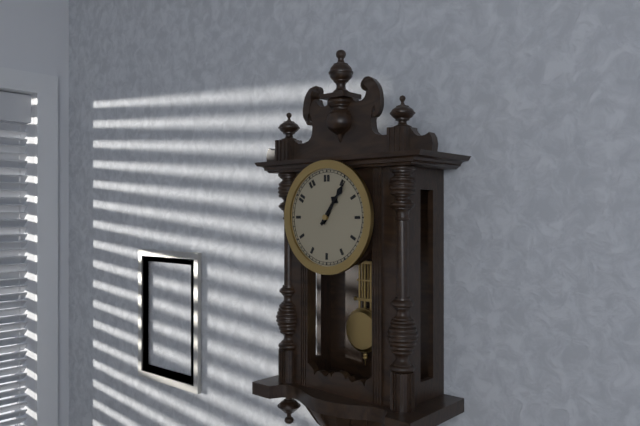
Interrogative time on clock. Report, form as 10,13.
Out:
1,06
